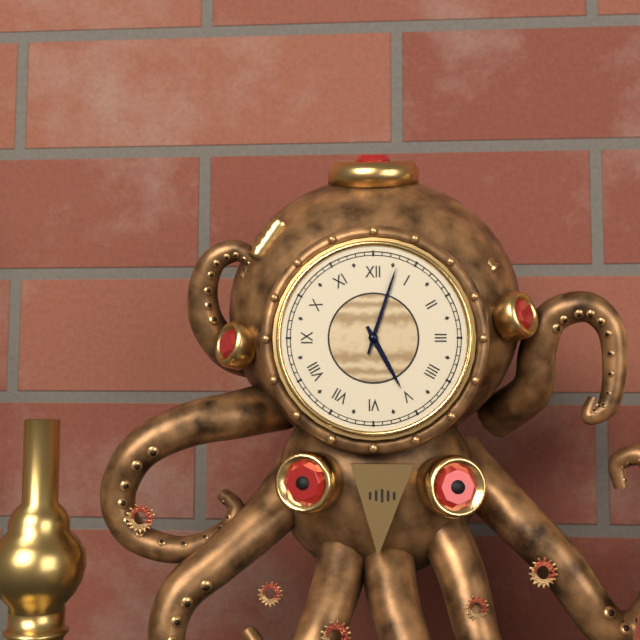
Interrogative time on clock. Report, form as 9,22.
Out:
5,03
